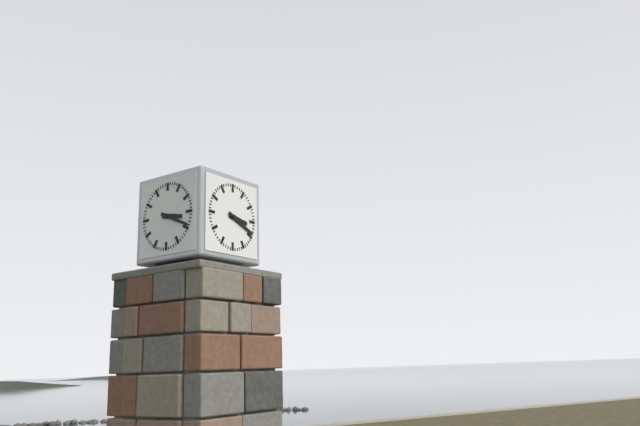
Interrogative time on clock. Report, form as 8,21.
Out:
3,19
